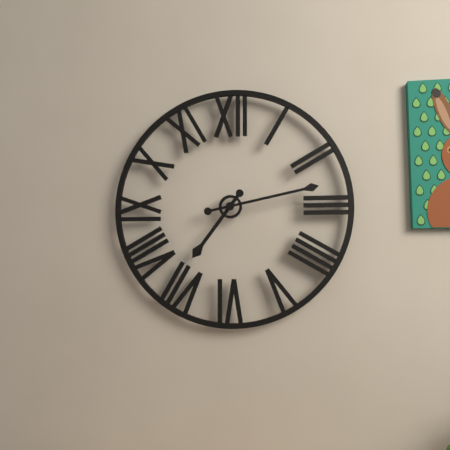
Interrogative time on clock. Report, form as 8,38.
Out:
7,13
